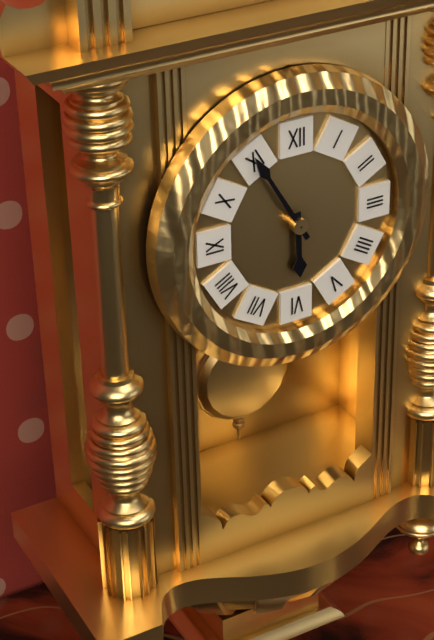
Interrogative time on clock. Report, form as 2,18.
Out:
5,55
